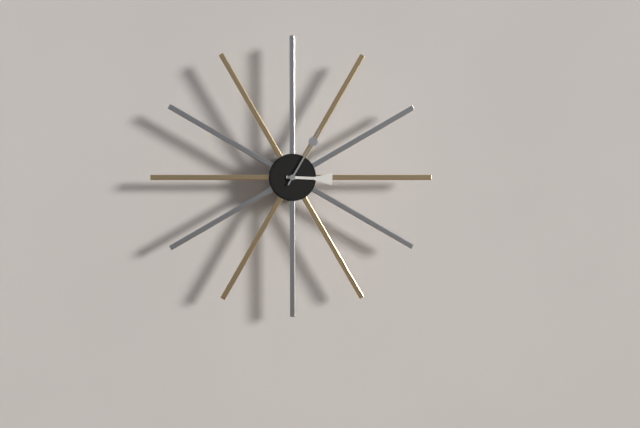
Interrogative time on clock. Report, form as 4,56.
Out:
3,05
